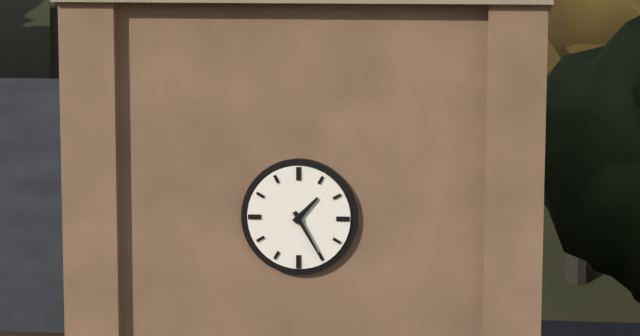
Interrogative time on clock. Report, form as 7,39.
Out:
1,25
